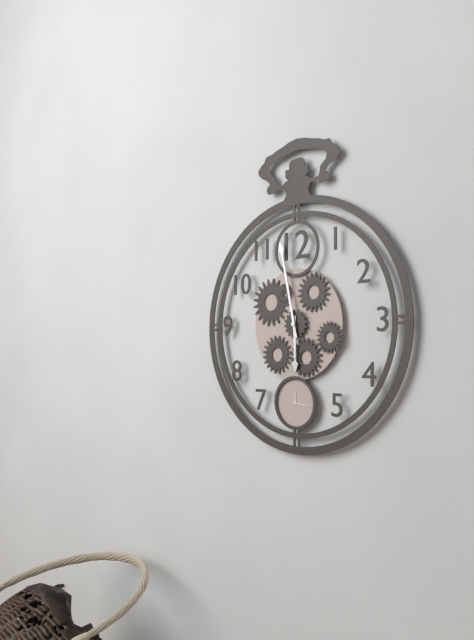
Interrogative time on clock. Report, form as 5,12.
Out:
5,58
